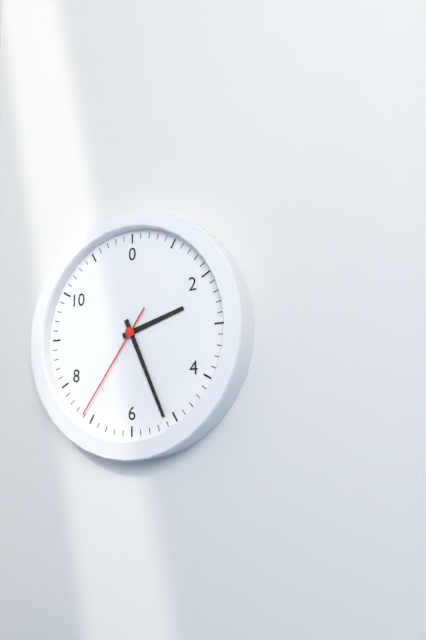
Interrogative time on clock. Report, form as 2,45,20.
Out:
2,26,36
